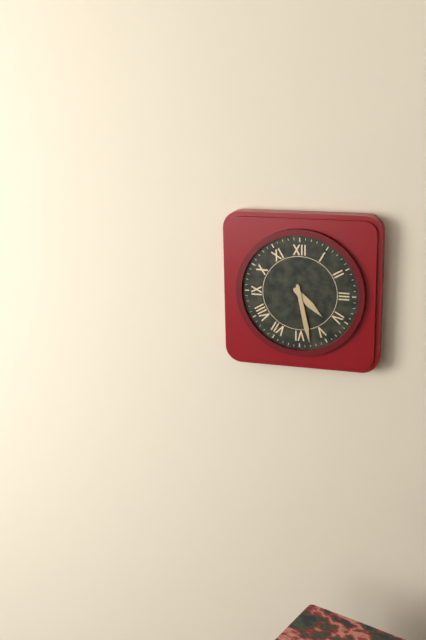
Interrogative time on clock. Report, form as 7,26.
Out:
4,28
